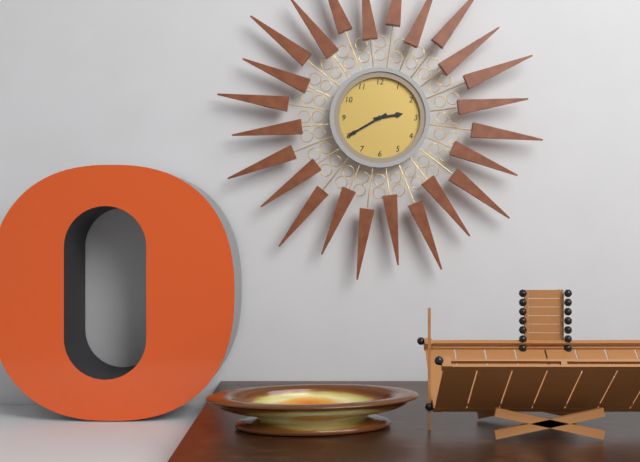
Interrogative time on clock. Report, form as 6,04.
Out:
2,40
